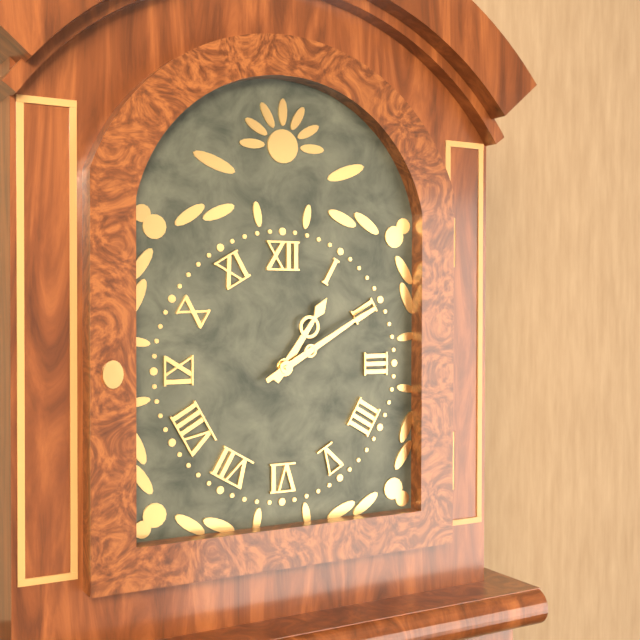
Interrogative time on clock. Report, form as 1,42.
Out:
1,10
